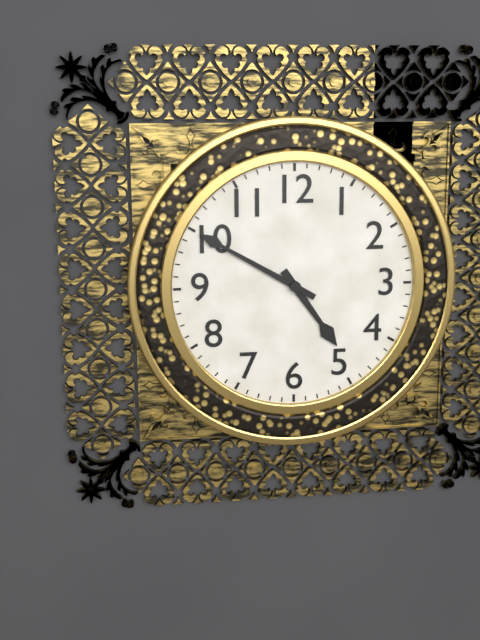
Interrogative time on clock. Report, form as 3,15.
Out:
4,50
